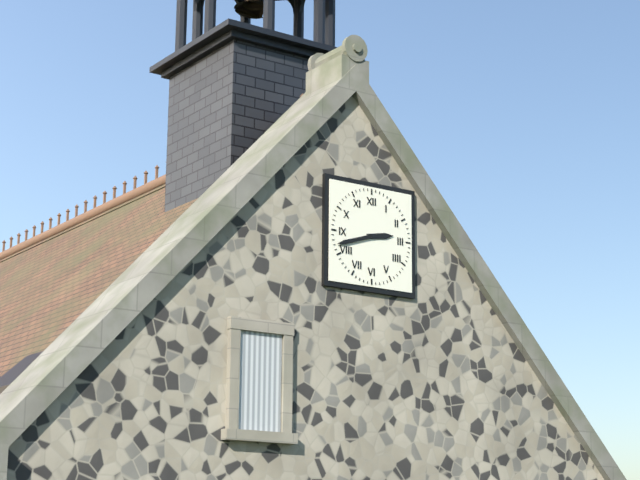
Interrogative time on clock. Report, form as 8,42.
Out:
2,42
